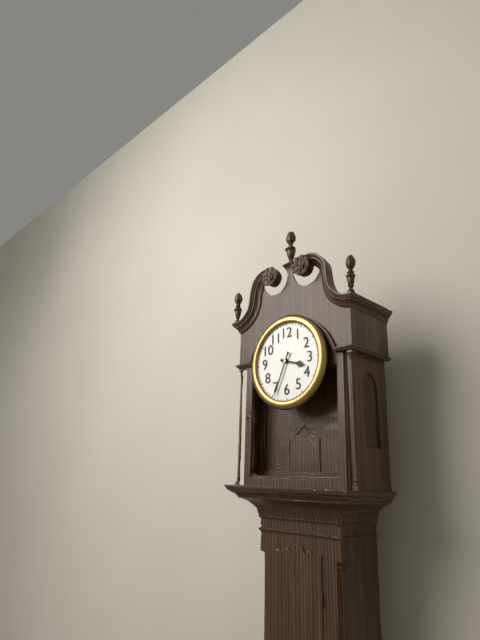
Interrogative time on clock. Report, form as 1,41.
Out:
3,34
